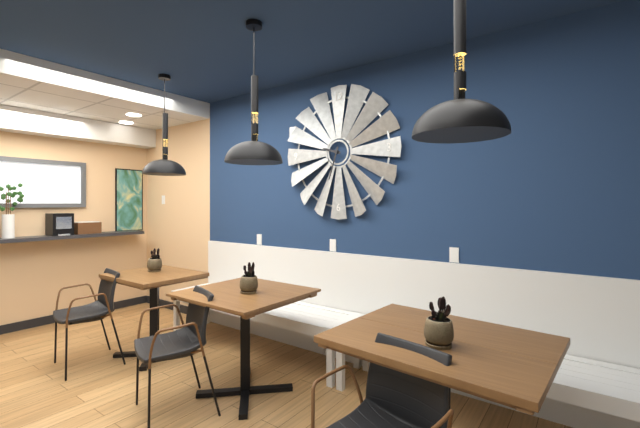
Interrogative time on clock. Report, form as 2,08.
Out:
9,33
